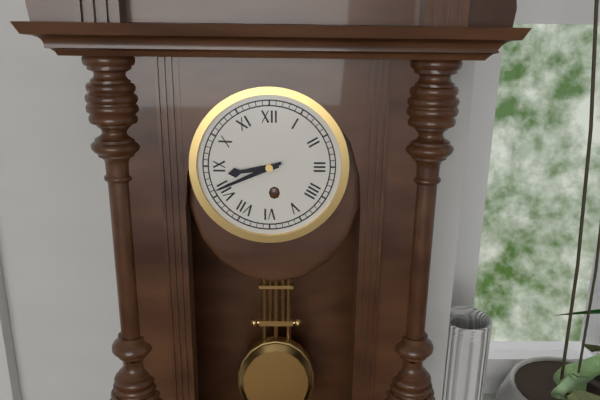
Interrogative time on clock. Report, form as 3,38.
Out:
8,41
